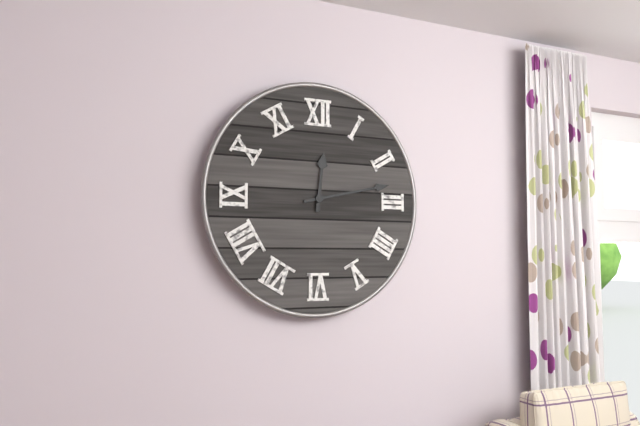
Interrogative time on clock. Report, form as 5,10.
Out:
12,13
